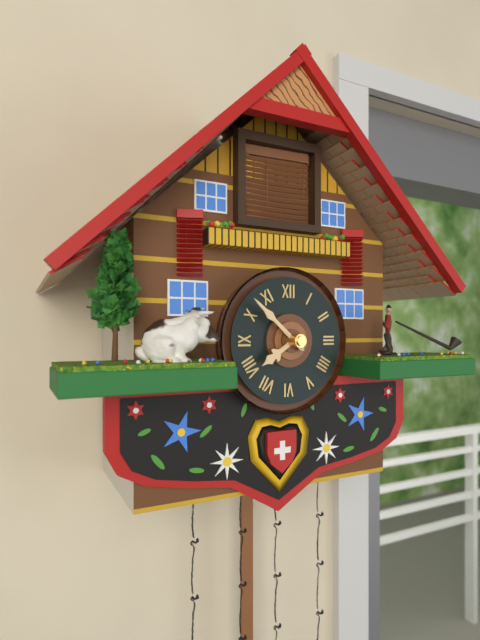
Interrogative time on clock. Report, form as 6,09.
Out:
7,52
